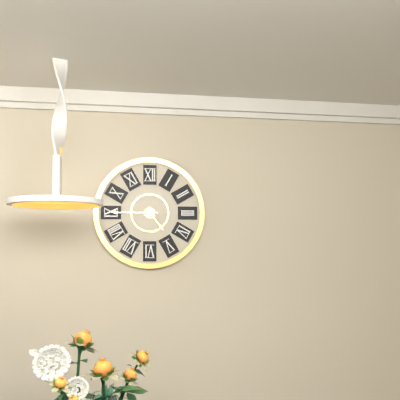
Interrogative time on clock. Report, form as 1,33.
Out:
4,45
